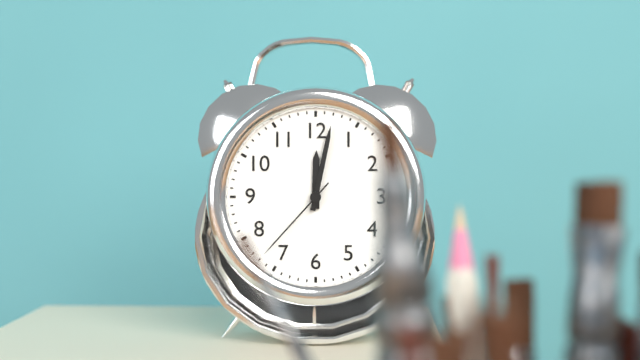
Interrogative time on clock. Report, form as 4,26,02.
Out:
12,02,37
